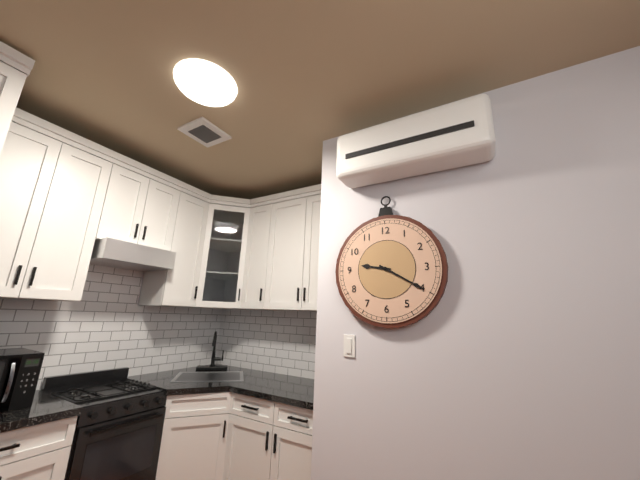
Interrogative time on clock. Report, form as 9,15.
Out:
9,20
